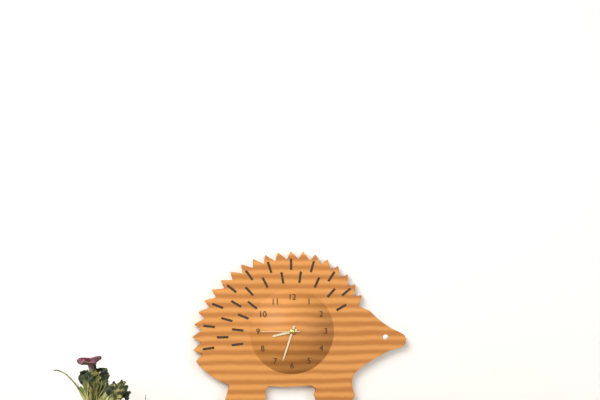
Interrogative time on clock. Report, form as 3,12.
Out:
8,33
